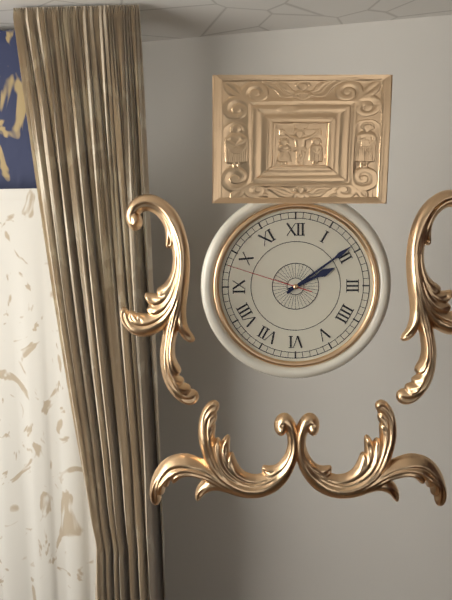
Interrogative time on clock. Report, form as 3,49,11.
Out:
2,09,48
